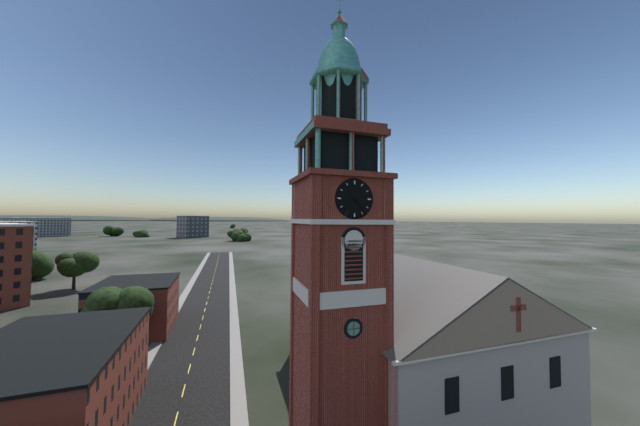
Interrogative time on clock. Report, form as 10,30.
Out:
2,23
